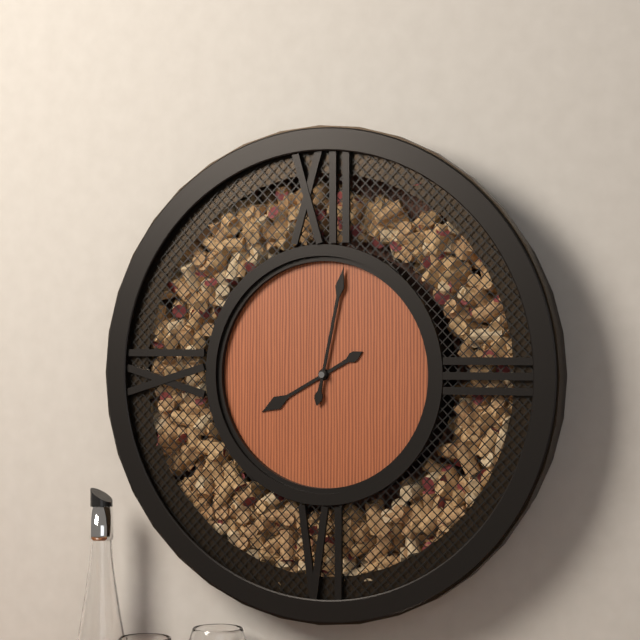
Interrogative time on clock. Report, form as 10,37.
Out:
8,02
